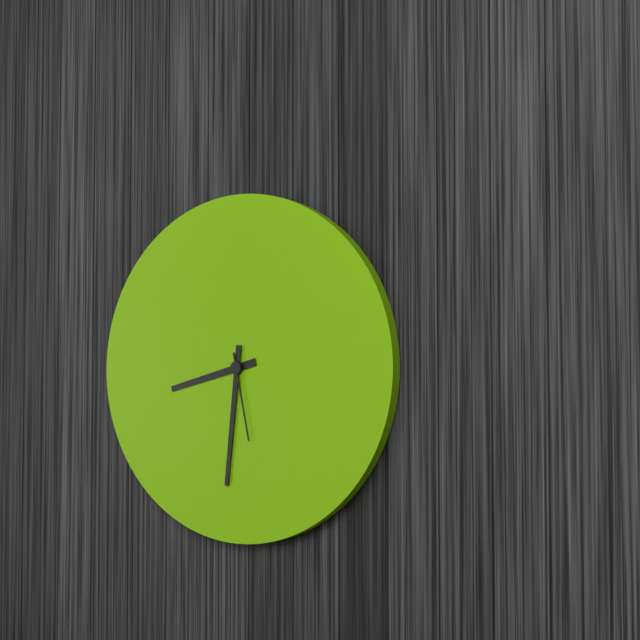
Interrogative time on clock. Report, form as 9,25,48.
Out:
8,31,28
